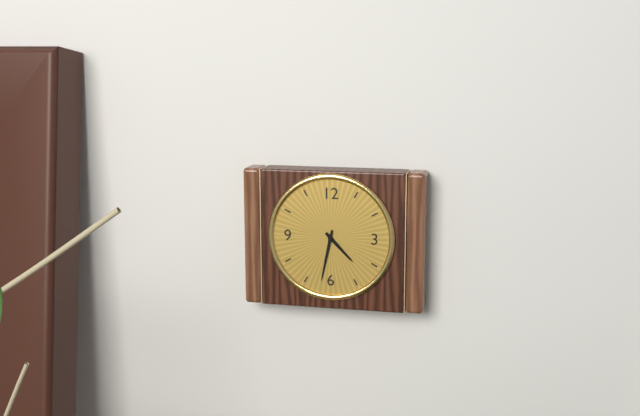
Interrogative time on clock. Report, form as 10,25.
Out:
4,32
